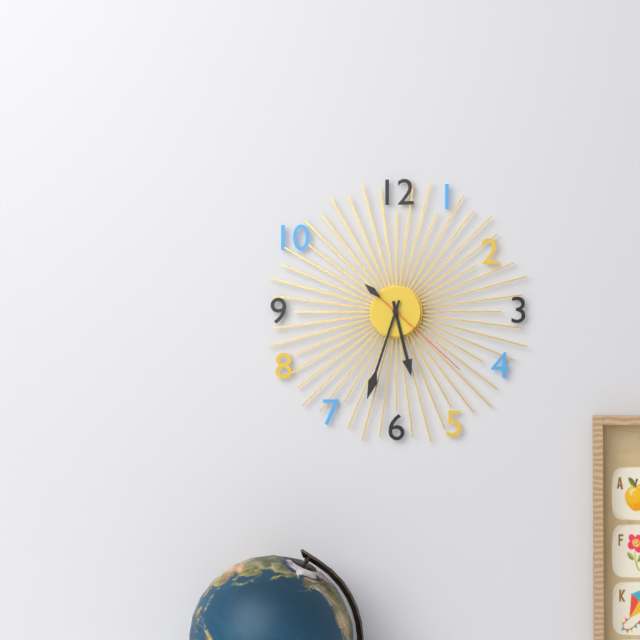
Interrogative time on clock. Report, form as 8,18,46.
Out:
5,33,22
